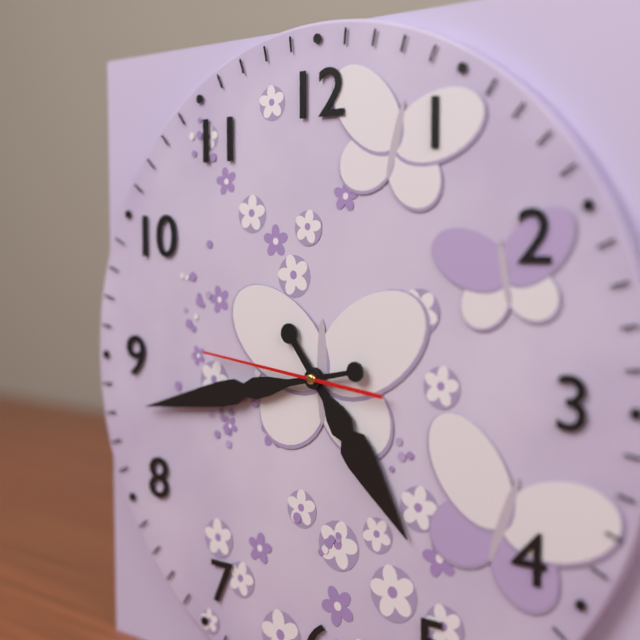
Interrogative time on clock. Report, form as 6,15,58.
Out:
4,43,46
